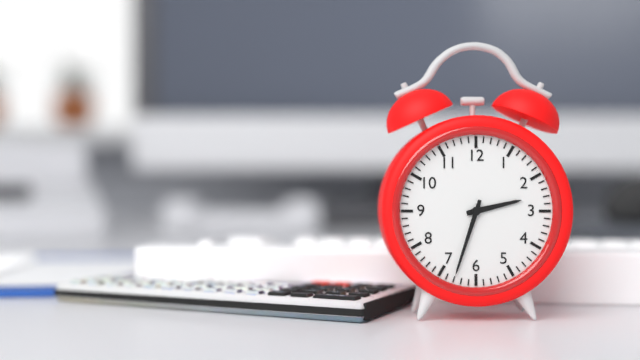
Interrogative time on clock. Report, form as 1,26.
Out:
2,33
